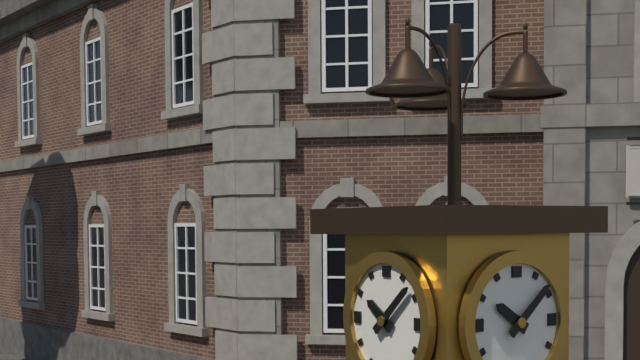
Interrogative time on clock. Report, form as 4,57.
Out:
10,08
